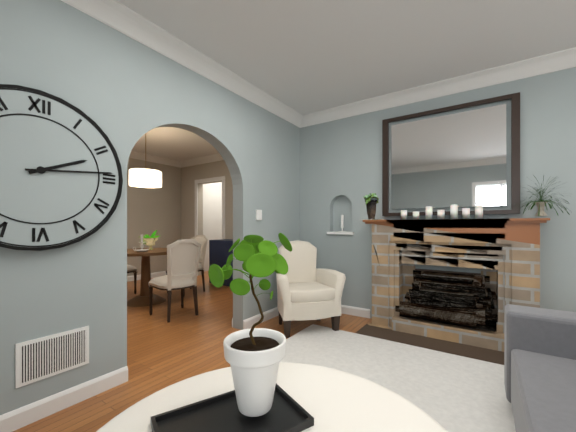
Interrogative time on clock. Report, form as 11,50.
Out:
2,14
